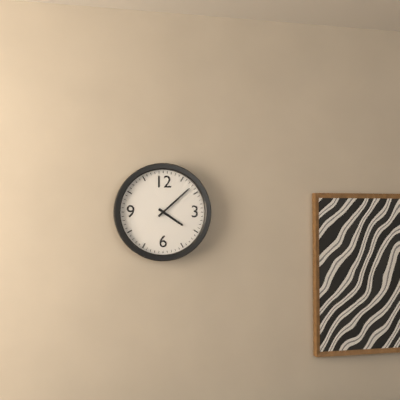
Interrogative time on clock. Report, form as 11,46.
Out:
4,08
